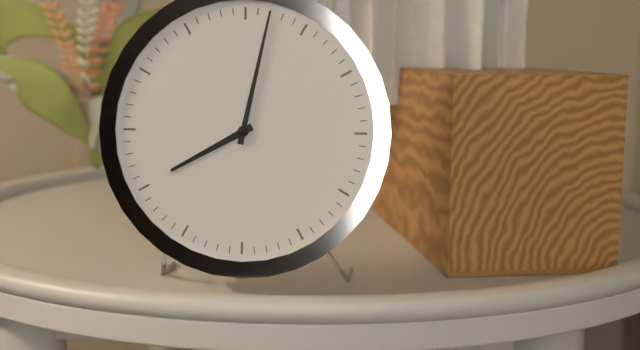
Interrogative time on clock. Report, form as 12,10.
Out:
8,02
